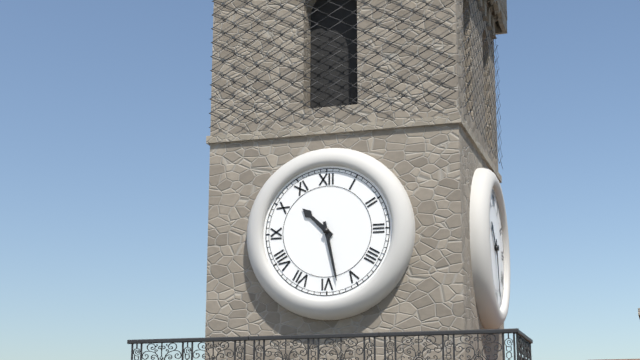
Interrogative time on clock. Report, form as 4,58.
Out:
10,28
